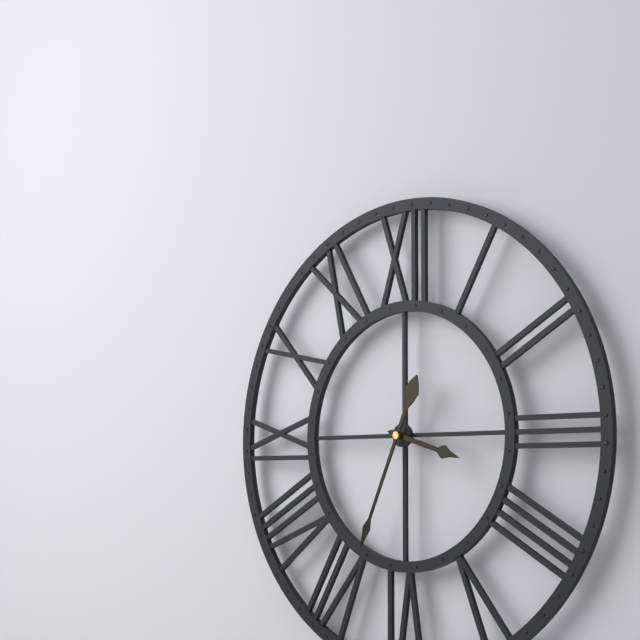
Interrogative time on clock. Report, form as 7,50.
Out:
3,34
